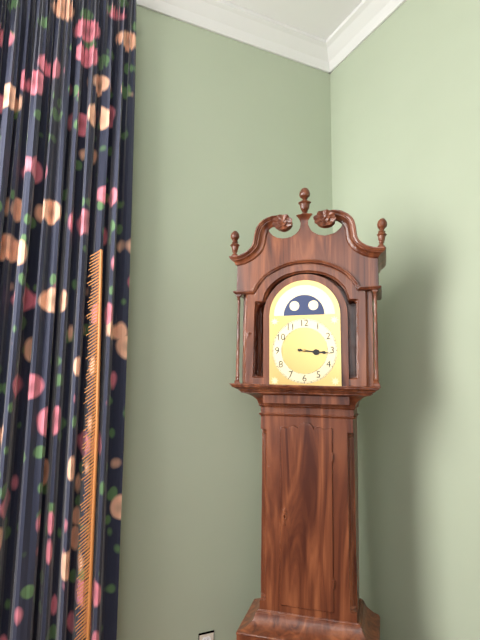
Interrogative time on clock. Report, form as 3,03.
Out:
3,16
